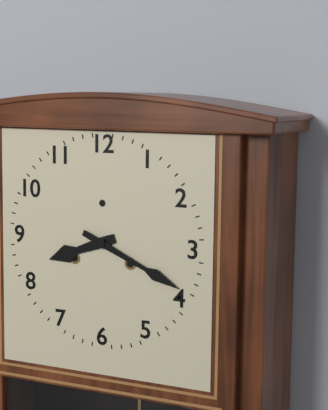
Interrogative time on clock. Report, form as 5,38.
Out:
8,19
